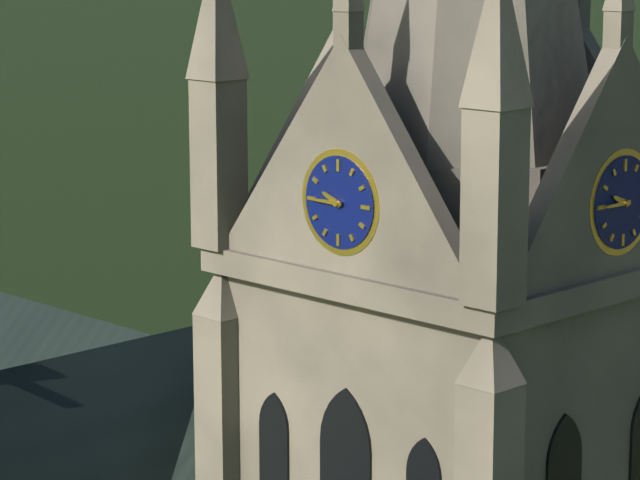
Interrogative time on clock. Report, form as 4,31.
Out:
9,45
